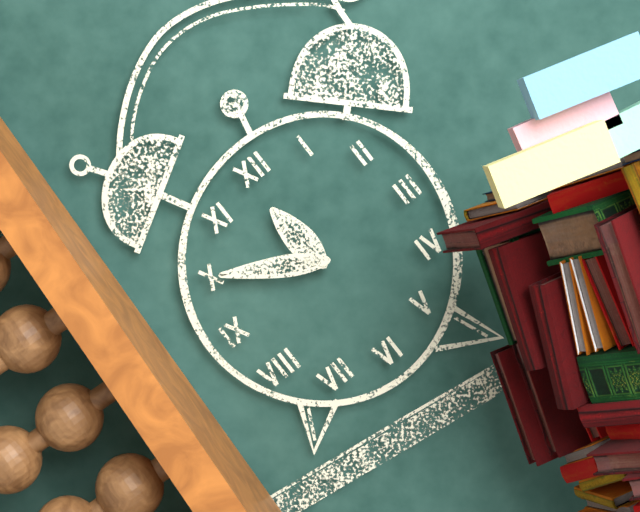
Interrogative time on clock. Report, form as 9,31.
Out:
11,50
